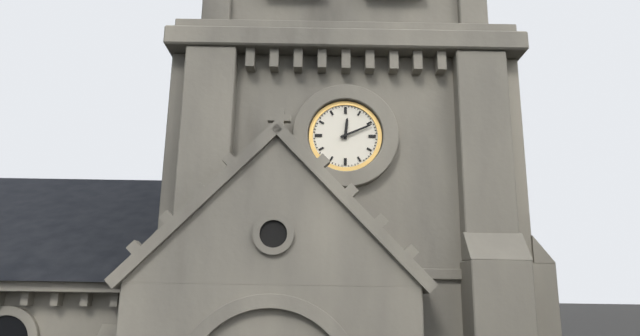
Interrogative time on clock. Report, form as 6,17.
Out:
12,11
